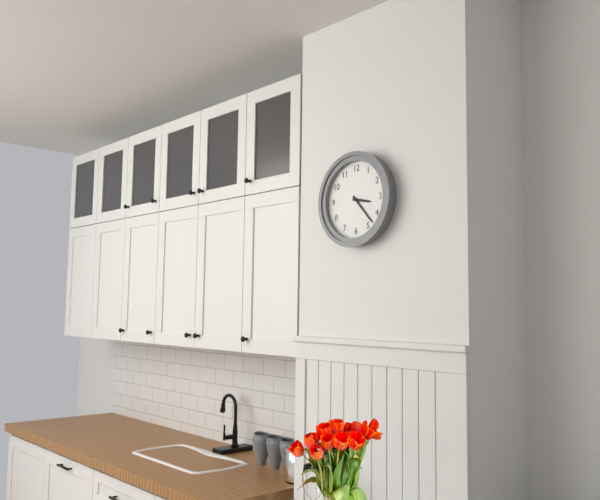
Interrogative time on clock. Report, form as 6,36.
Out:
3,23
